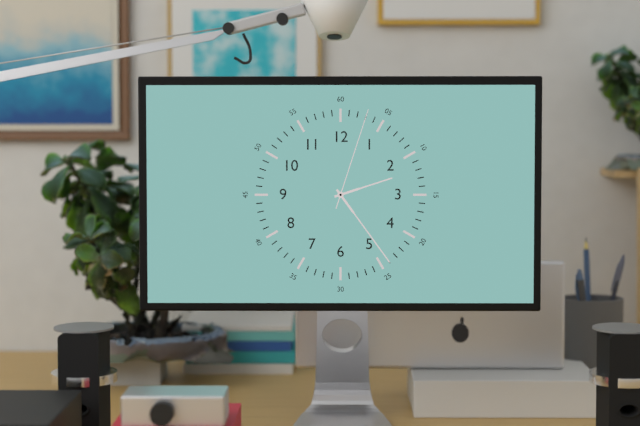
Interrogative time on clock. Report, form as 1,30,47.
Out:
2,24,03
